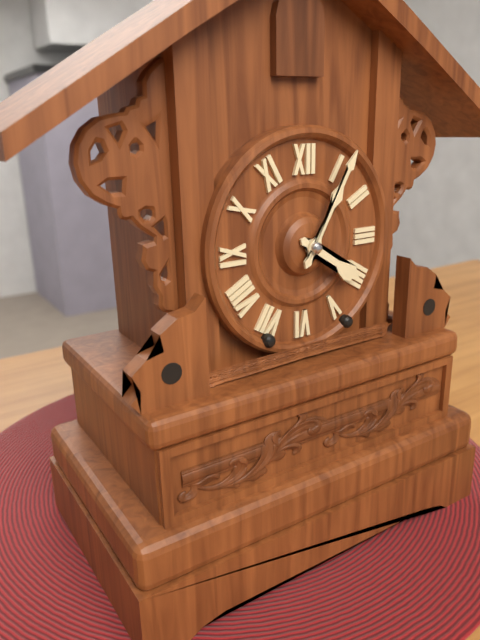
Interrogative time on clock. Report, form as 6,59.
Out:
4,05
